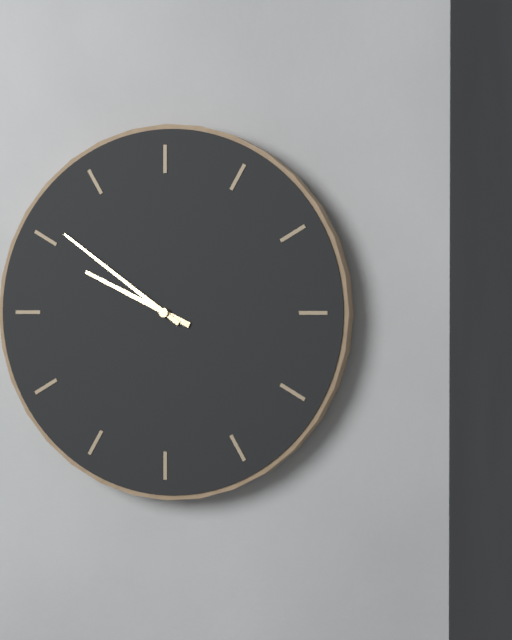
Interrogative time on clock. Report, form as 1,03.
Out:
9,51
